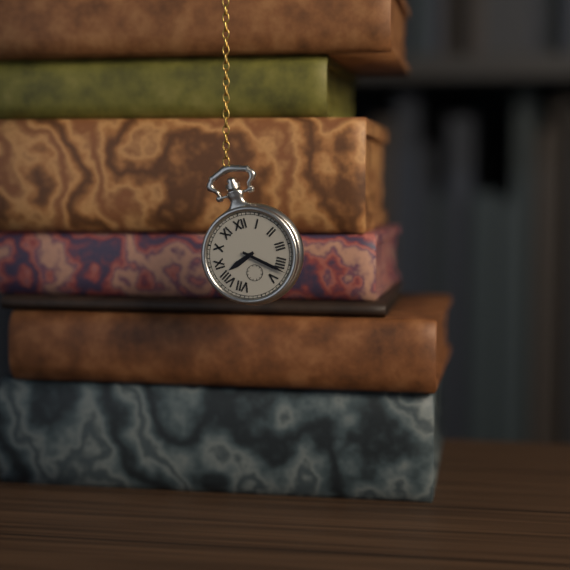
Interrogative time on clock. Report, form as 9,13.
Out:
8,22
